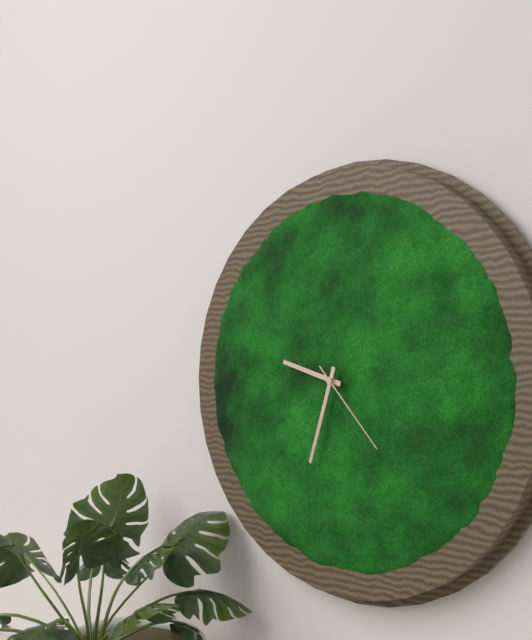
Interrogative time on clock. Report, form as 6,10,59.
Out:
9,33,23
